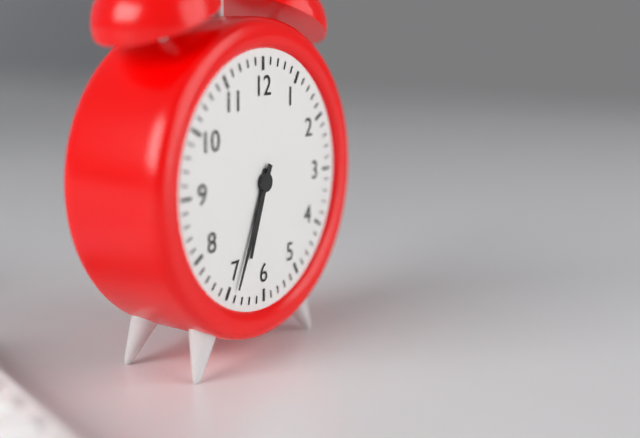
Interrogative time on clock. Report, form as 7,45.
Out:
6,34
